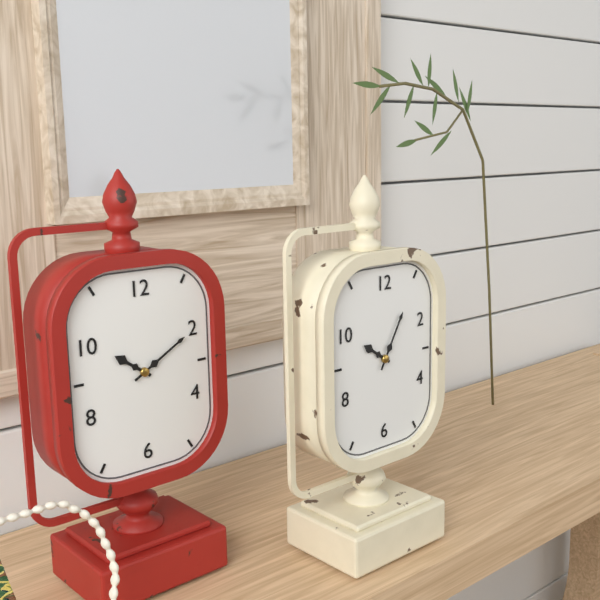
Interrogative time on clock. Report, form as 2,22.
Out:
10,05
